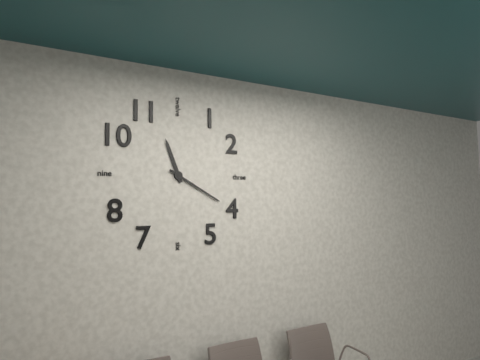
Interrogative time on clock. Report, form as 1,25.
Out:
11,20
